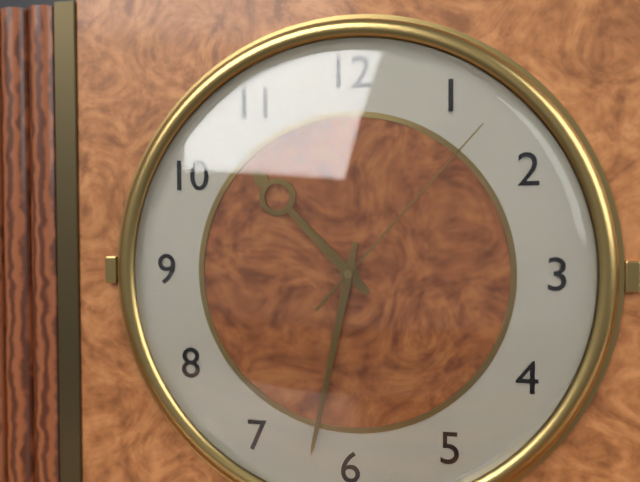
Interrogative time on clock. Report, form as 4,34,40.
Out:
10,32,07
